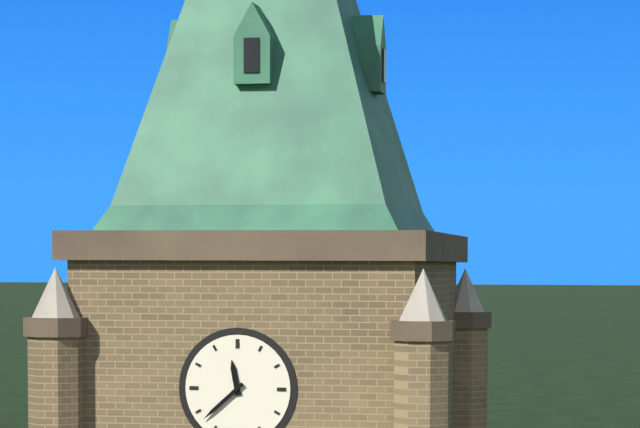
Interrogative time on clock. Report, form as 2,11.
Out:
11,38
